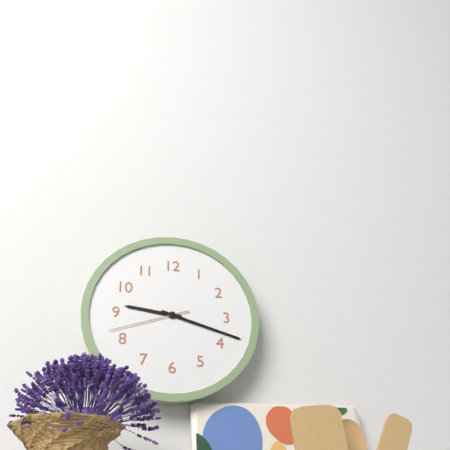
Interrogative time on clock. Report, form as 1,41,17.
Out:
9,18,42
